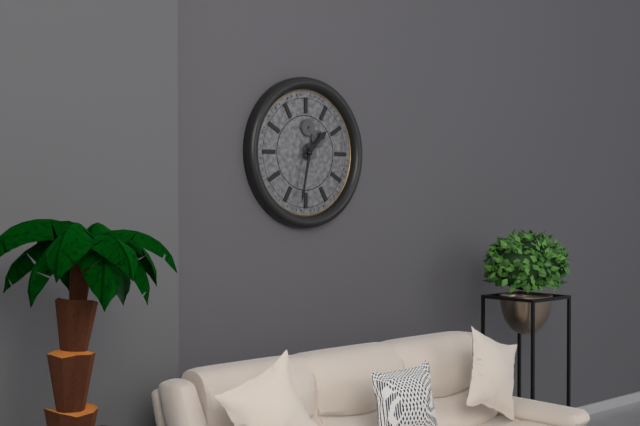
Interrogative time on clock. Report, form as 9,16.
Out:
1,32
